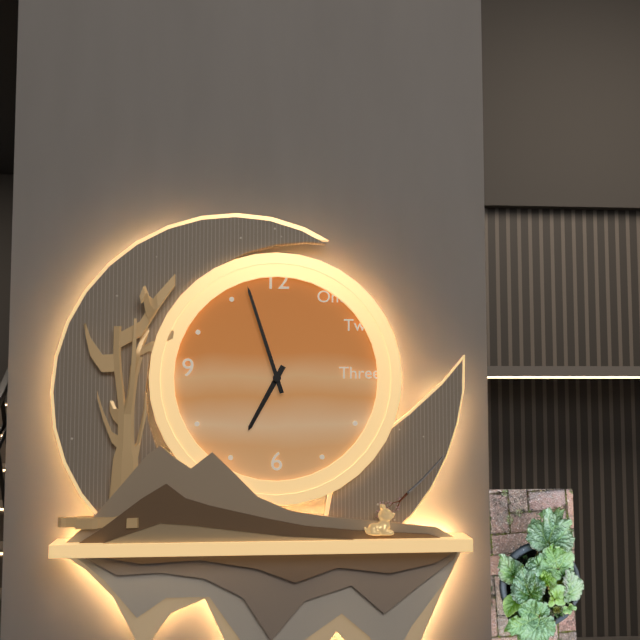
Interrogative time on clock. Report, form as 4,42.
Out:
6,57
